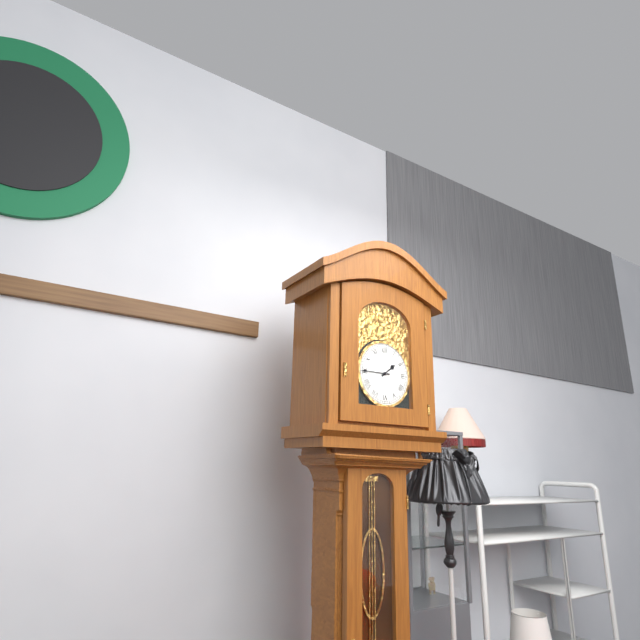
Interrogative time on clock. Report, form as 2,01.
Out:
1,45
